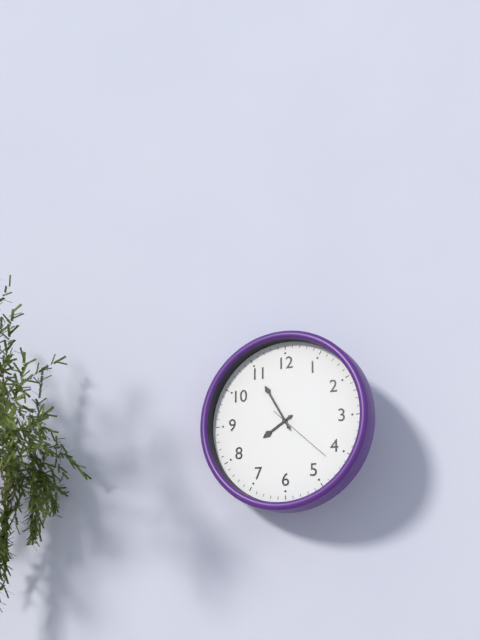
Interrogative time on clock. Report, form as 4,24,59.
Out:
7,55,22
